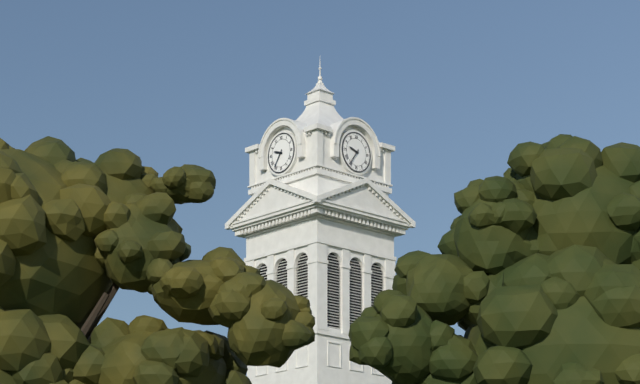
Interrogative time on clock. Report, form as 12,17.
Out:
9,36
